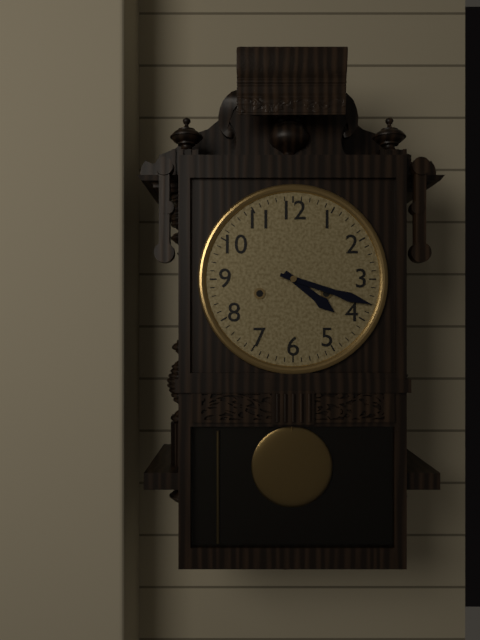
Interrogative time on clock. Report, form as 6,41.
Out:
4,18
